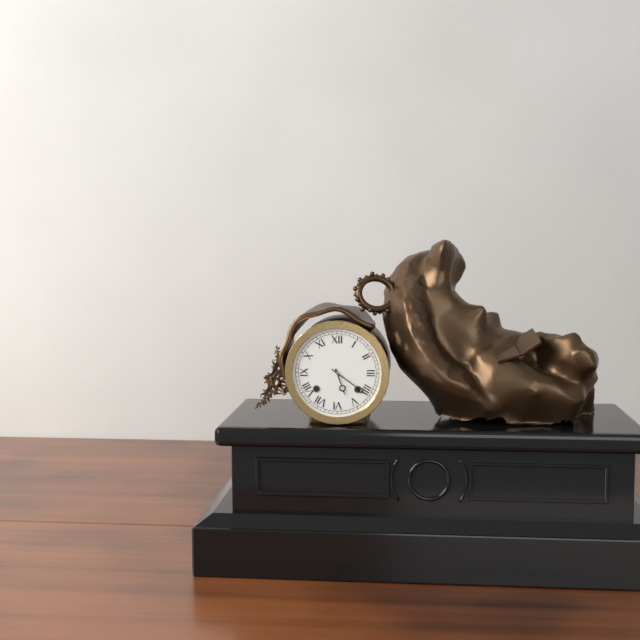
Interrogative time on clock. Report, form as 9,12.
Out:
5,21
